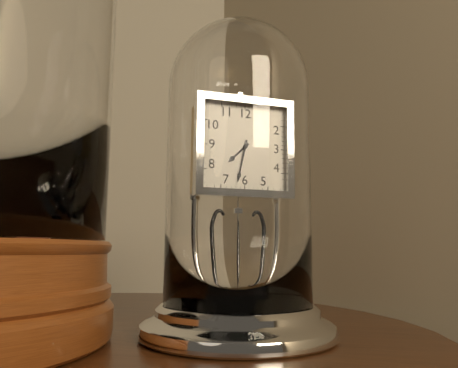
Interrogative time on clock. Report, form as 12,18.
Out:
7,32
